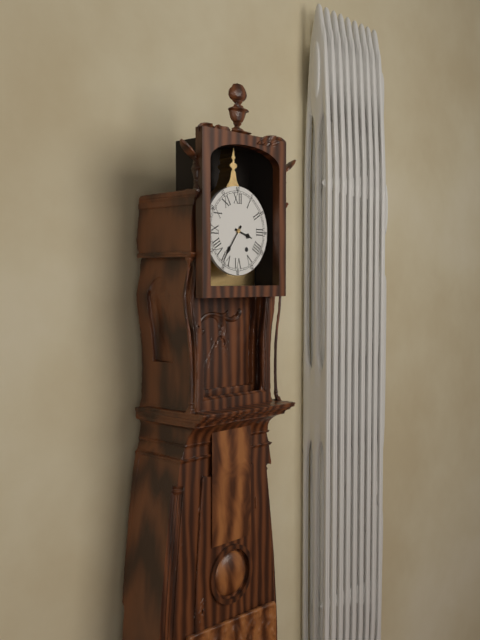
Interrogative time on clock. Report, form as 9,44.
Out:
3,36
